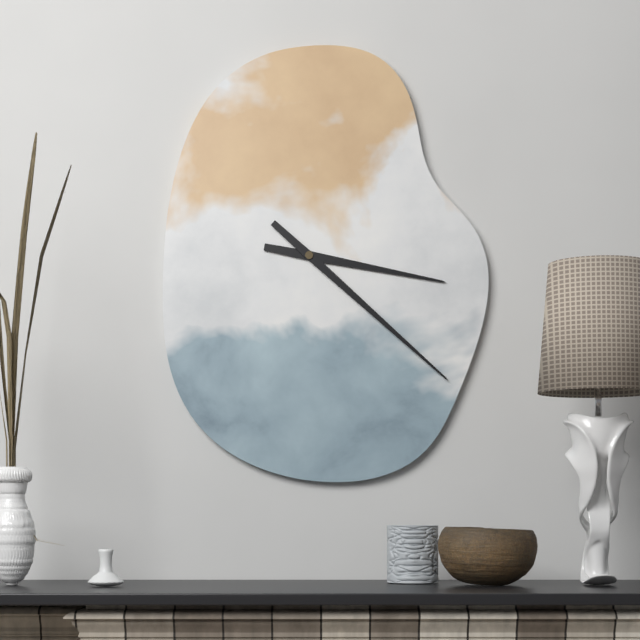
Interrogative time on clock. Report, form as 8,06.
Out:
3,22
